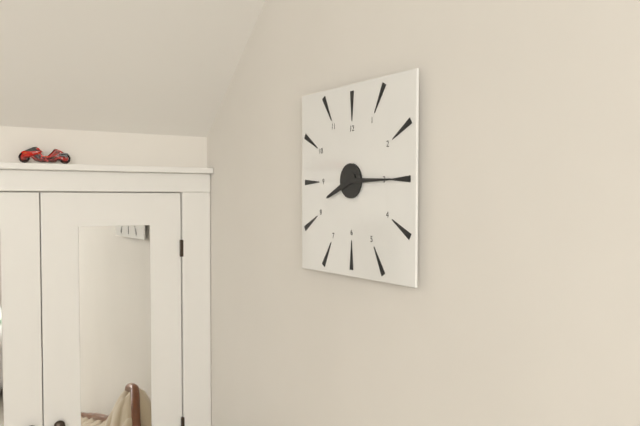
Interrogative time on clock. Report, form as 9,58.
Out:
8,15
